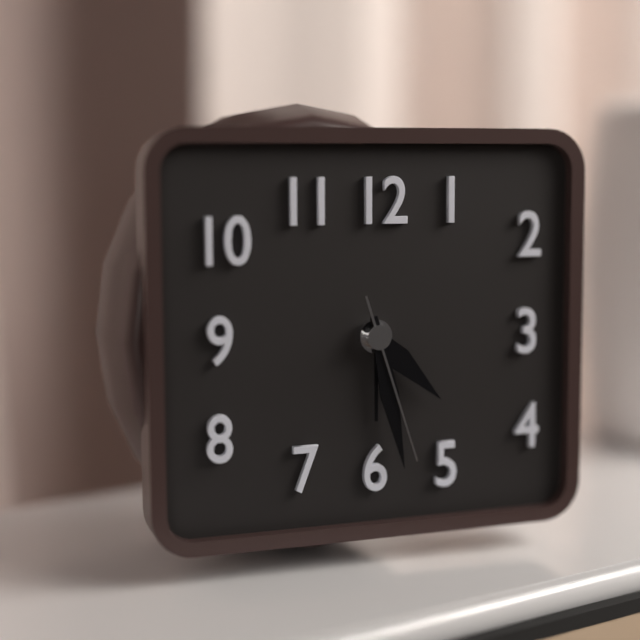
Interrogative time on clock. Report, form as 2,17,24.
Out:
4,28,27
